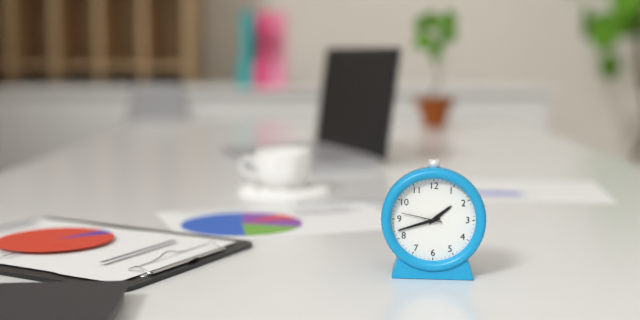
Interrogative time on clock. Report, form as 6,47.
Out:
1,42
